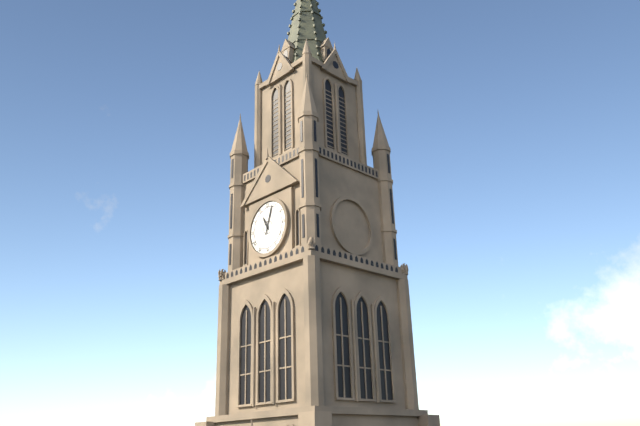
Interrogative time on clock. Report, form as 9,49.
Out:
11,03
